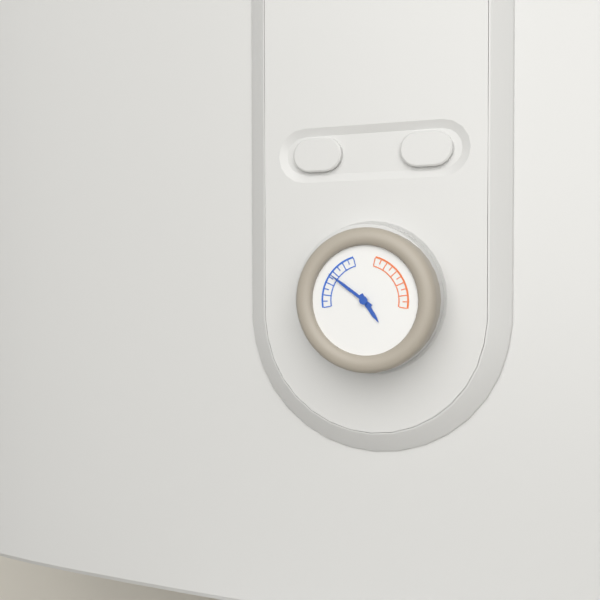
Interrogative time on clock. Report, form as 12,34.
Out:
4,51
